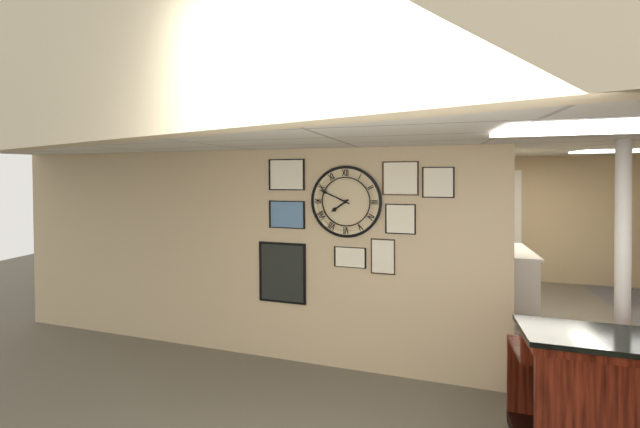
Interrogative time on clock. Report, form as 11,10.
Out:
7,49
